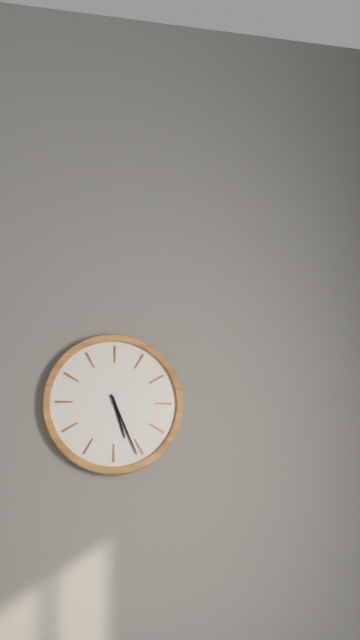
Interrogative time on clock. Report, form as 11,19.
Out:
5,26
